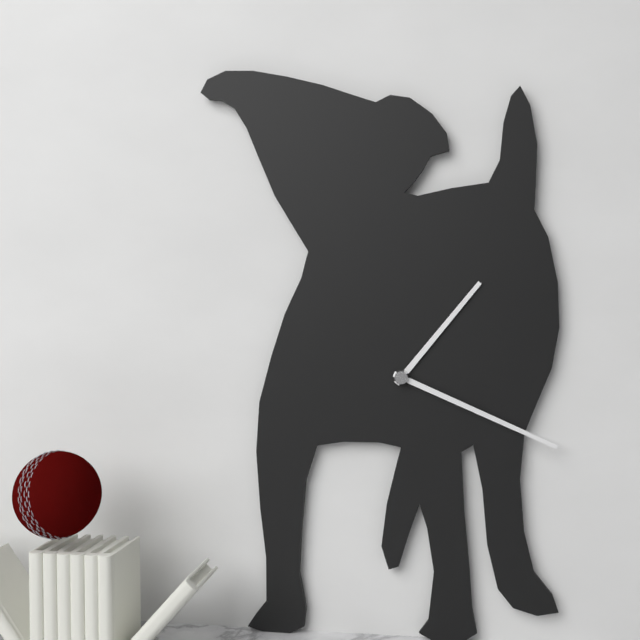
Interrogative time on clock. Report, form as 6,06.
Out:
1,19
